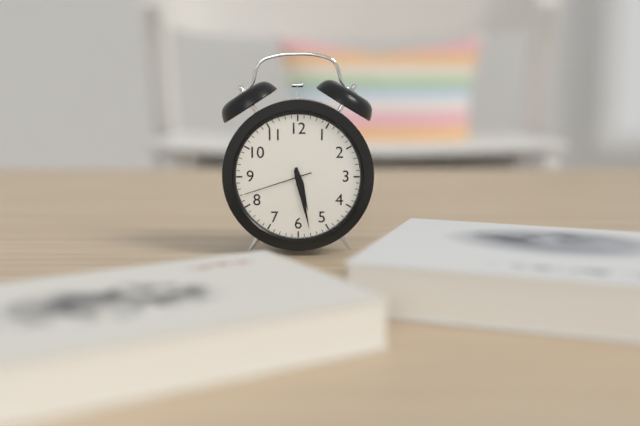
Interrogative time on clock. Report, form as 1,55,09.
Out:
5,28,42
